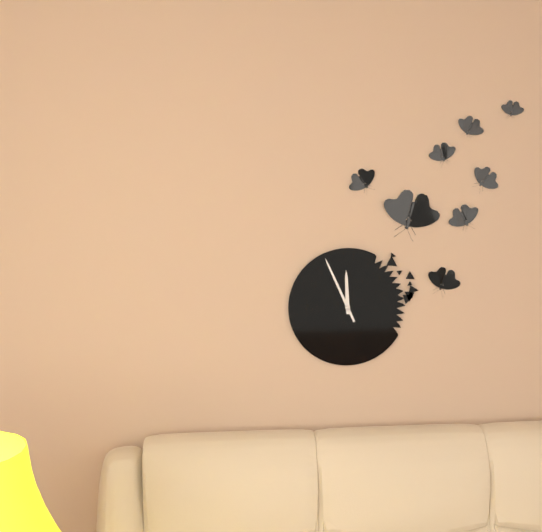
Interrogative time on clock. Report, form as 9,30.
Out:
11,56
